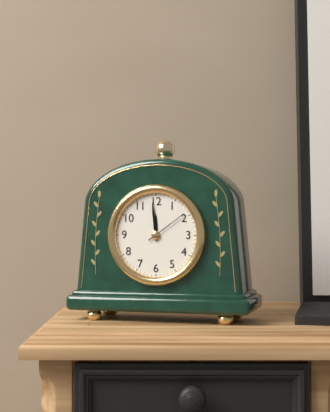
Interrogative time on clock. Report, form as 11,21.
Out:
11,59
